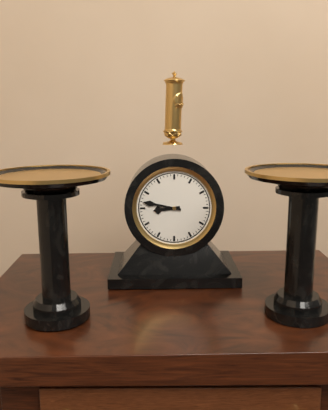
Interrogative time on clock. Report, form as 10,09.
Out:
8,47
